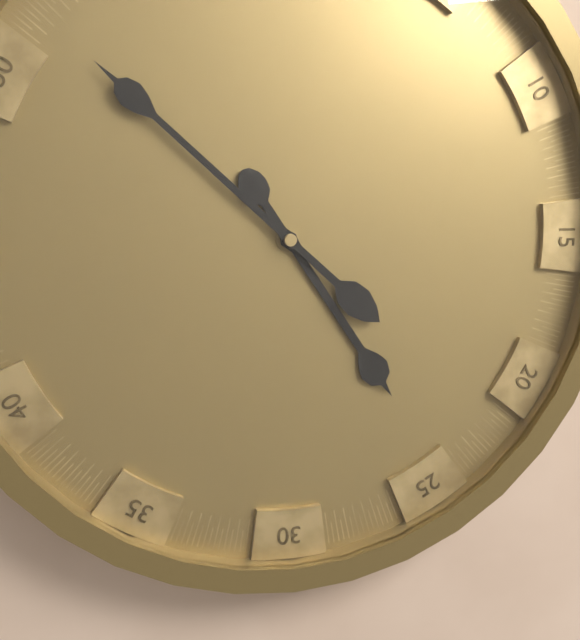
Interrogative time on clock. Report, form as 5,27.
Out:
4,52
